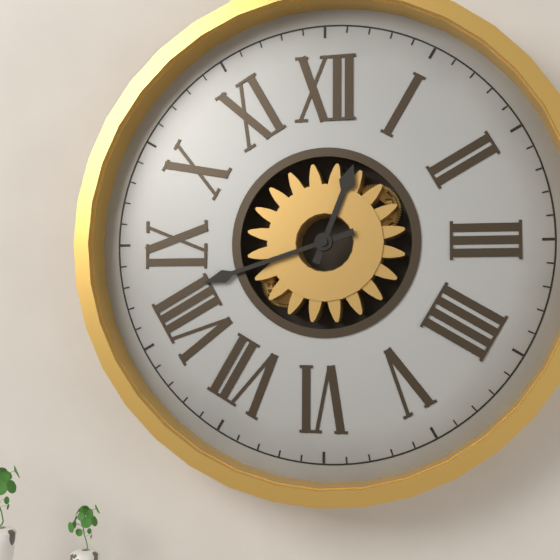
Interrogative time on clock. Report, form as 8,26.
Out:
12,42
